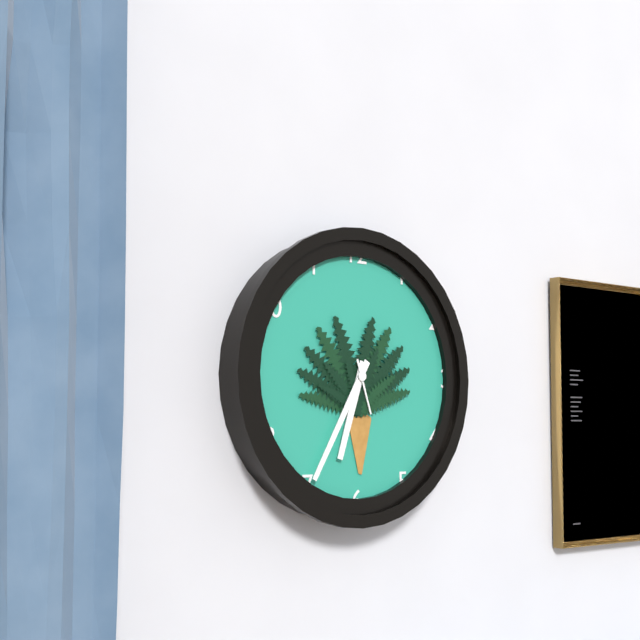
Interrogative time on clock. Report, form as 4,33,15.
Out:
6,35,27
